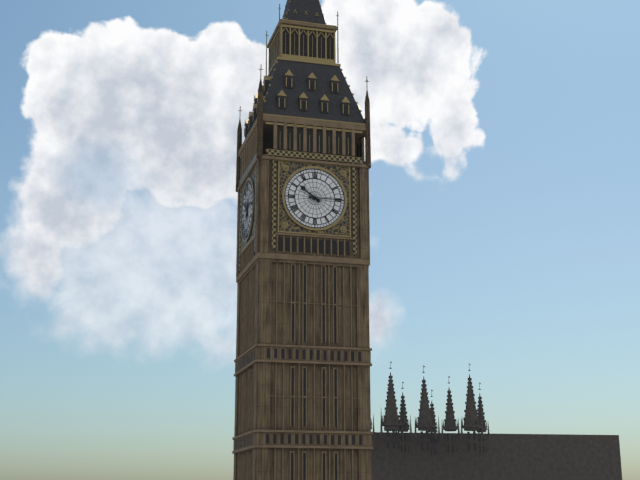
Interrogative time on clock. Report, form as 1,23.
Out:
10,15
